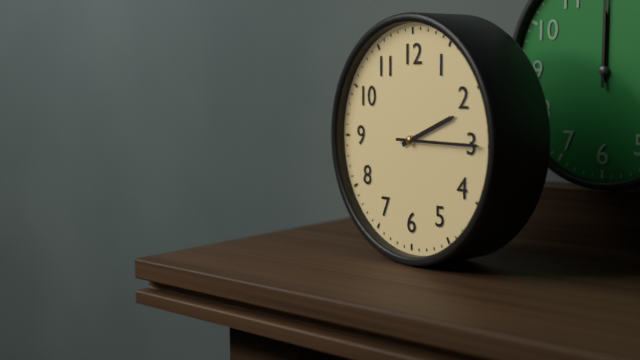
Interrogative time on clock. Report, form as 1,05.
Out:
2,15
